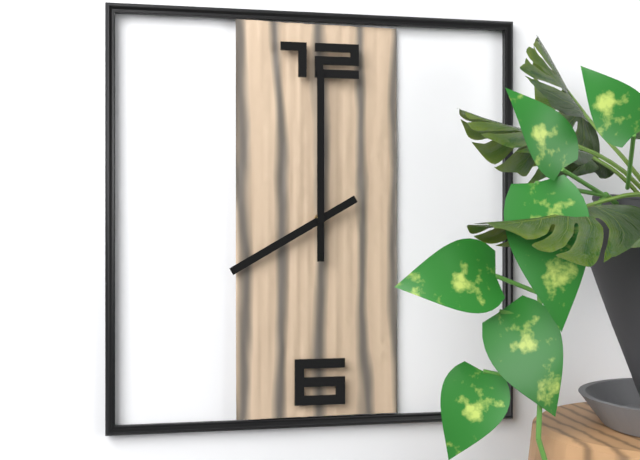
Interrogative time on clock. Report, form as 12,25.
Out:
8,00
